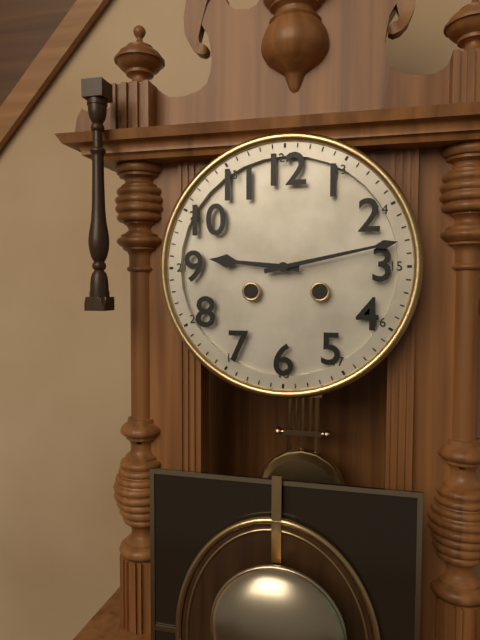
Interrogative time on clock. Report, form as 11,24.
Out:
9,13
